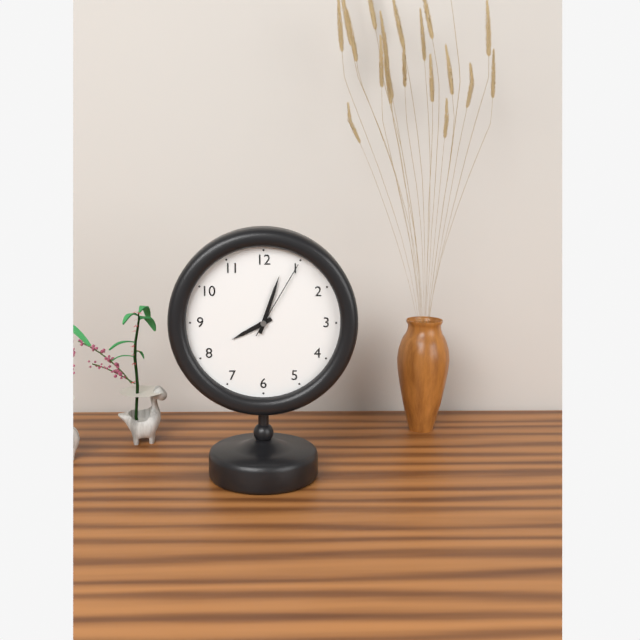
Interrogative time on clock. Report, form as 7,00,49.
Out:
8,03,05
